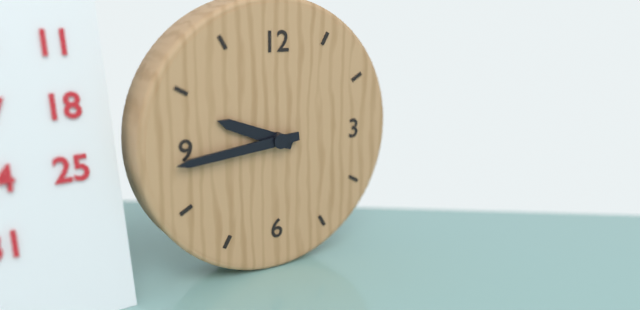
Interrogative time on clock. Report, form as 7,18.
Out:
9,44
